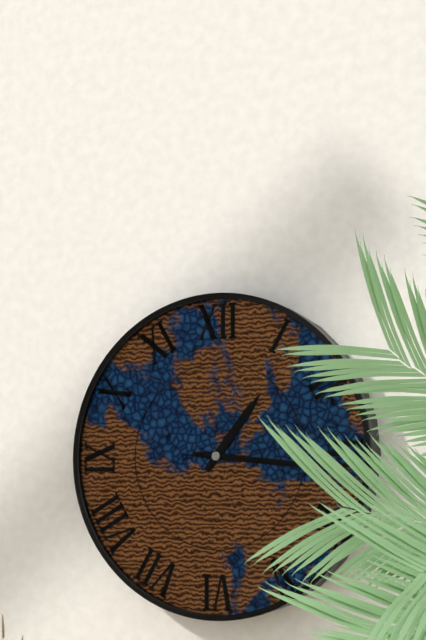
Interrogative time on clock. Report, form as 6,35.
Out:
1,16
